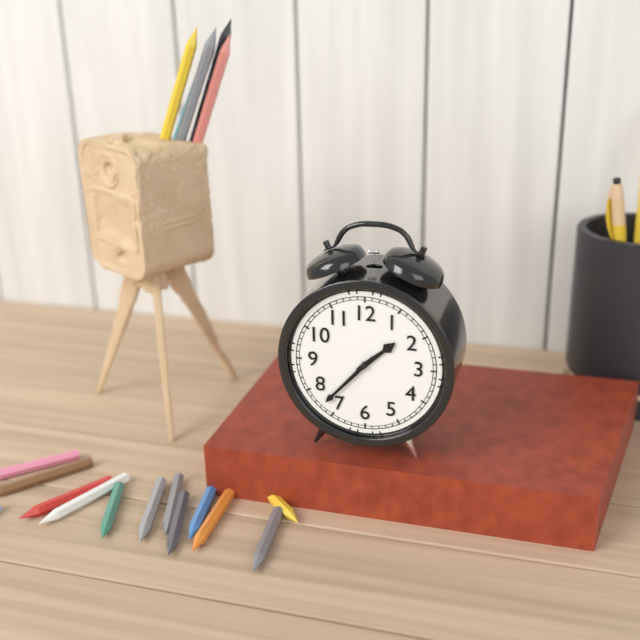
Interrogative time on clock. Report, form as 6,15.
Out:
1,37
